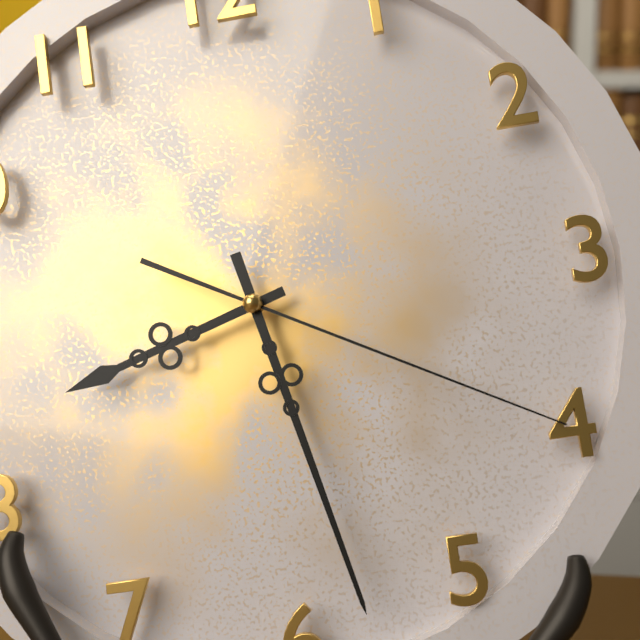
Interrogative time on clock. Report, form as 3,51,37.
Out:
8,28,20
